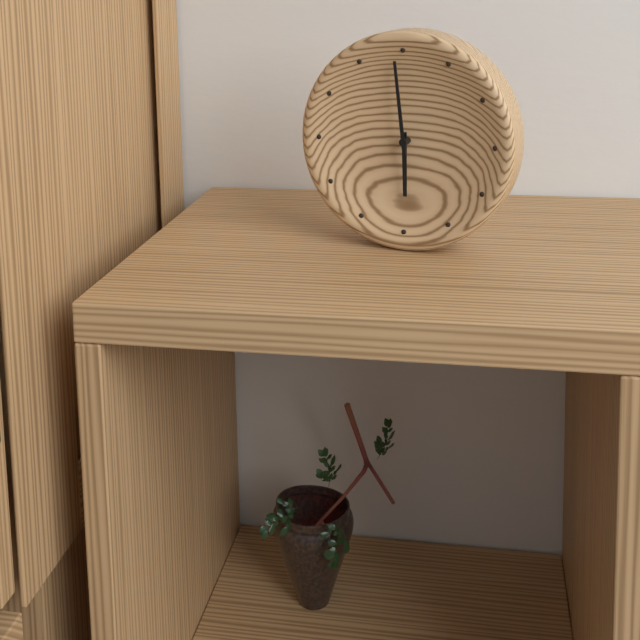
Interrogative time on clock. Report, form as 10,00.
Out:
5,59
